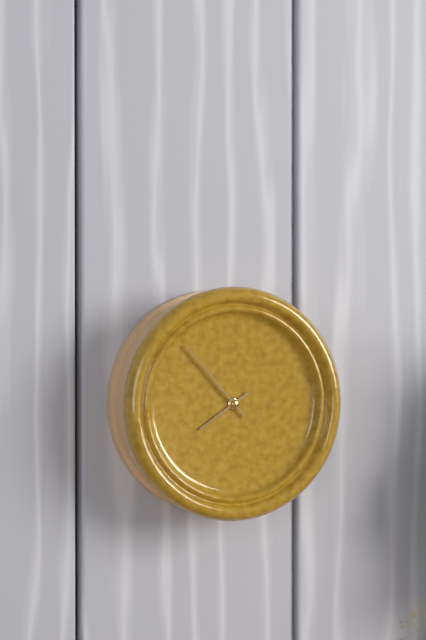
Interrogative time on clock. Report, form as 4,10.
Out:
7,53
